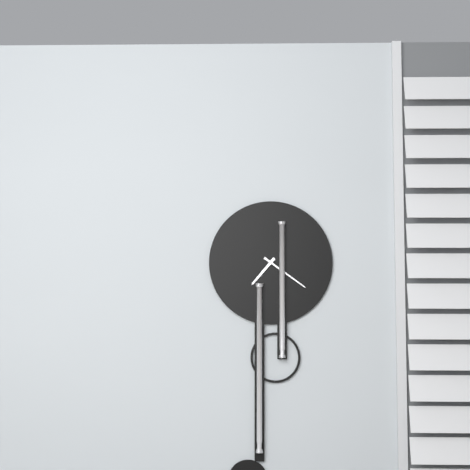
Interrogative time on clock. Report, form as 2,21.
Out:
7,21
